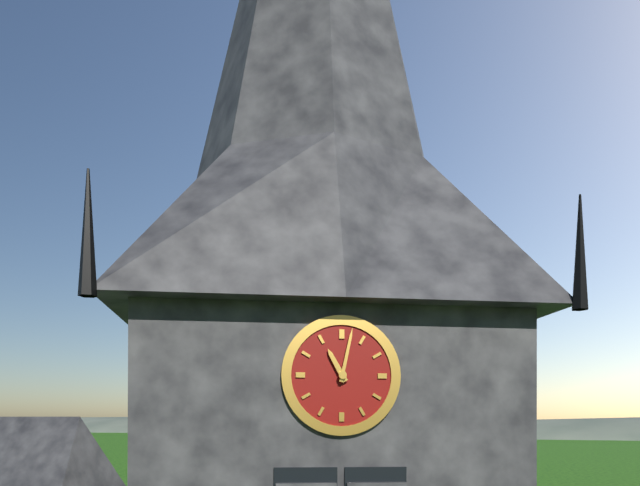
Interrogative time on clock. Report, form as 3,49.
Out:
11,02
